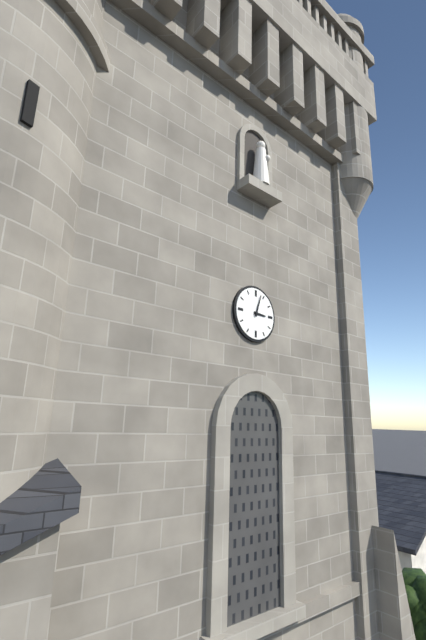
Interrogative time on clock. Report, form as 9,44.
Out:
3,03
